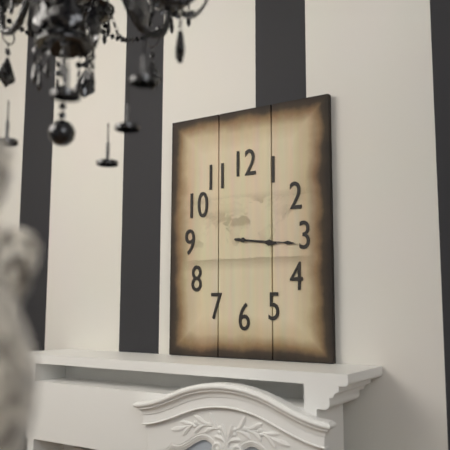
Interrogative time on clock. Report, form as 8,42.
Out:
3,16
